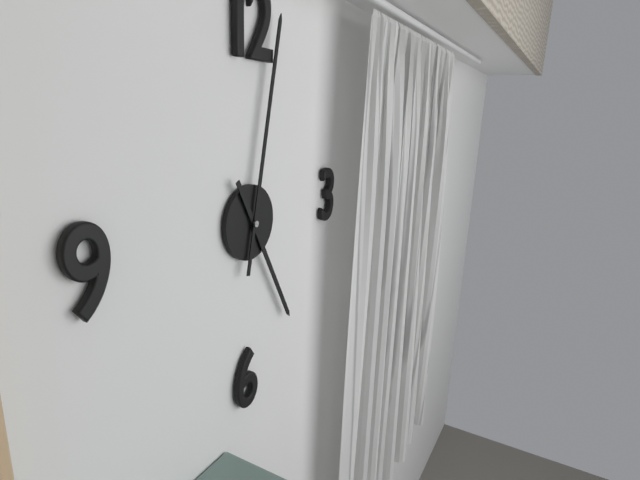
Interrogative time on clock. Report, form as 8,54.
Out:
5,02
